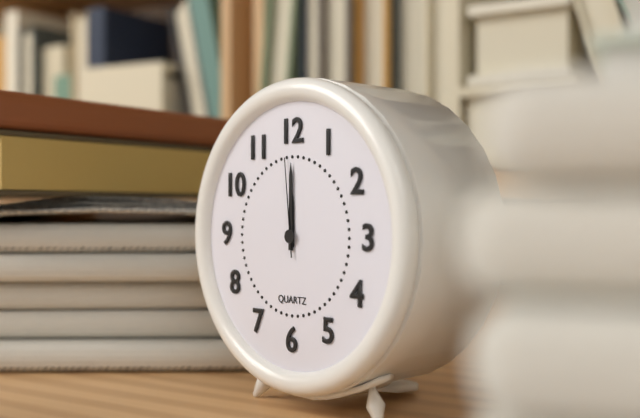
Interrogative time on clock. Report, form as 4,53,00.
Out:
12,00,59
